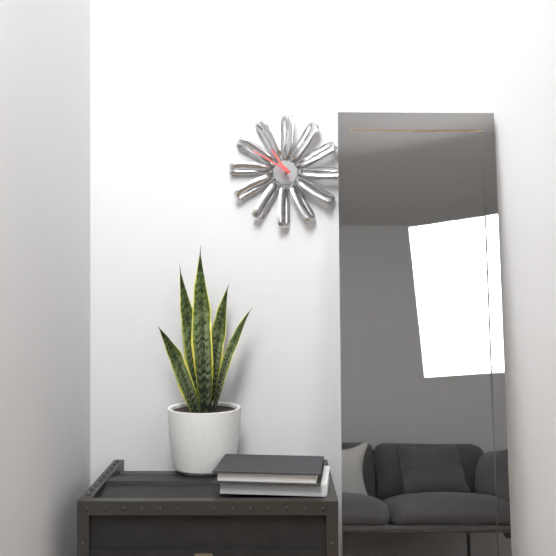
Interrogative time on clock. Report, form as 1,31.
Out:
10,50
